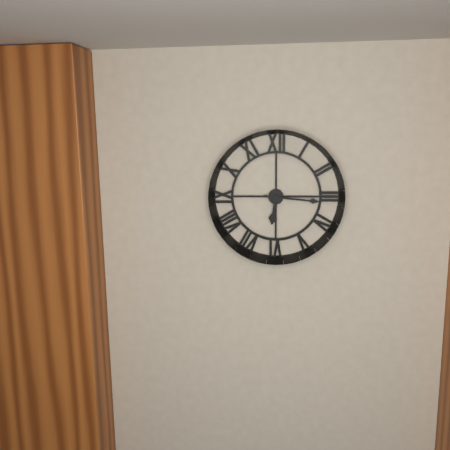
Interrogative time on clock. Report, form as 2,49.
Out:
6,16
